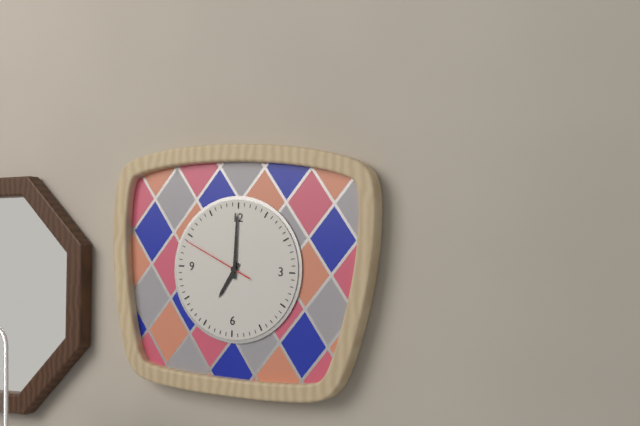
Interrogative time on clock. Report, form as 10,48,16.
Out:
7,00,49
